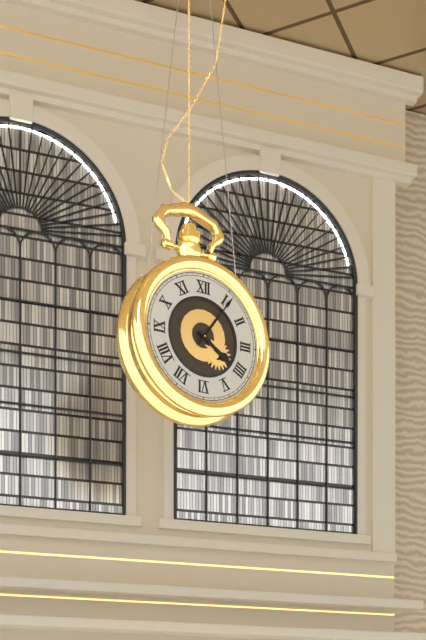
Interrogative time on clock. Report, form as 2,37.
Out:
4,06
